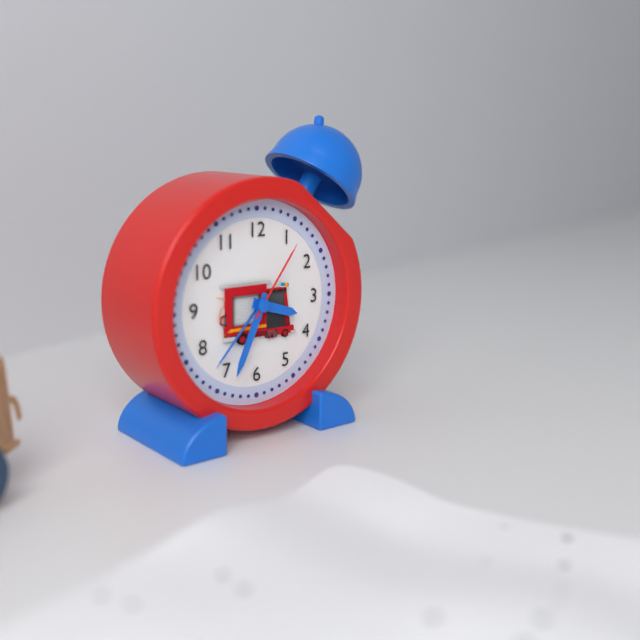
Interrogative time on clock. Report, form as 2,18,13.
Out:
3,34,06
